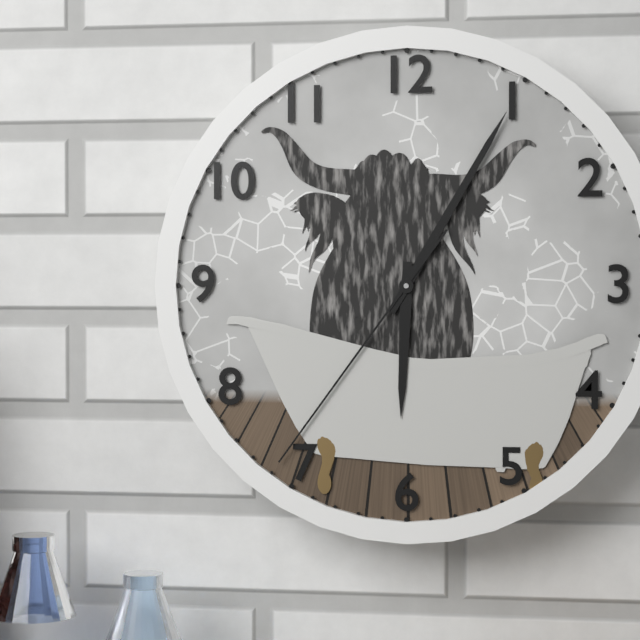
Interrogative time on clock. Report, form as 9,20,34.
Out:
6,05,36
